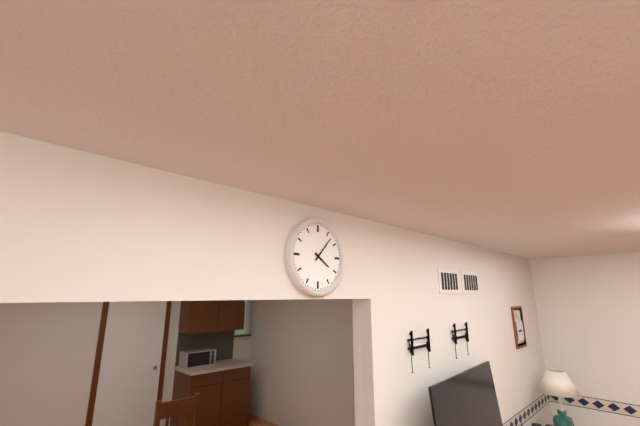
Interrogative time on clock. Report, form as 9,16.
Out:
4,07
